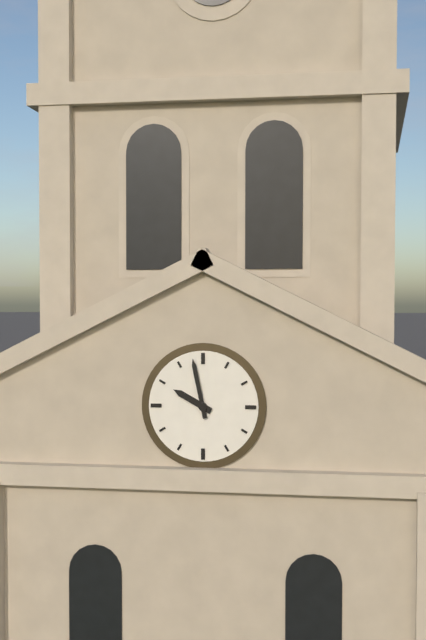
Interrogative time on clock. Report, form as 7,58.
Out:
9,58
